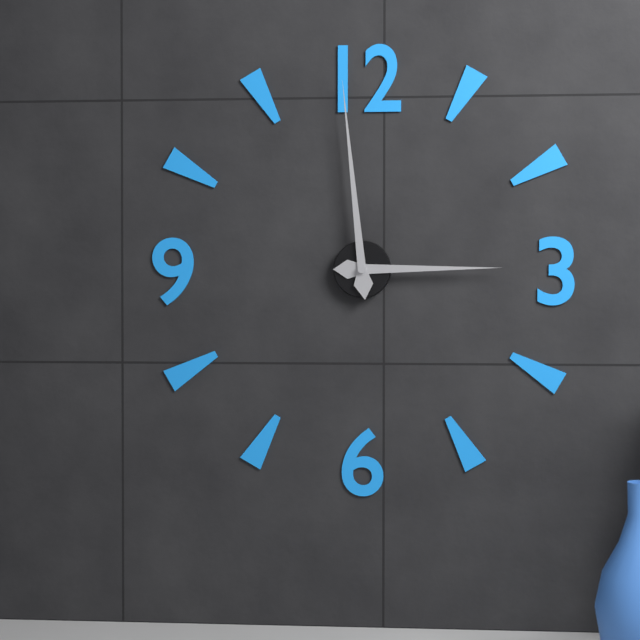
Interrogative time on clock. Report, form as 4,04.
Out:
2,59
